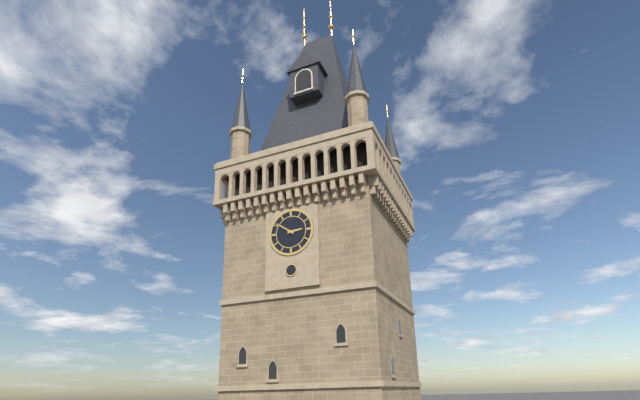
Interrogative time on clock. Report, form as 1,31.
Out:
2,51
